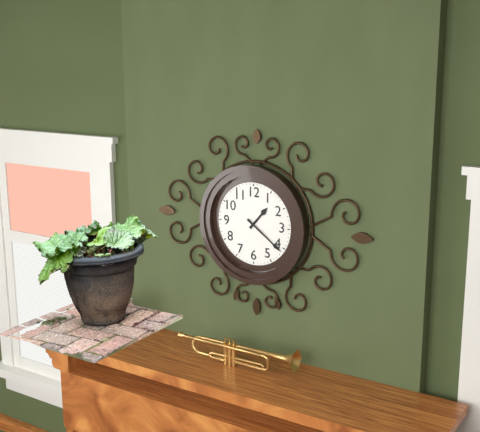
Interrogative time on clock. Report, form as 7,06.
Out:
1,21
